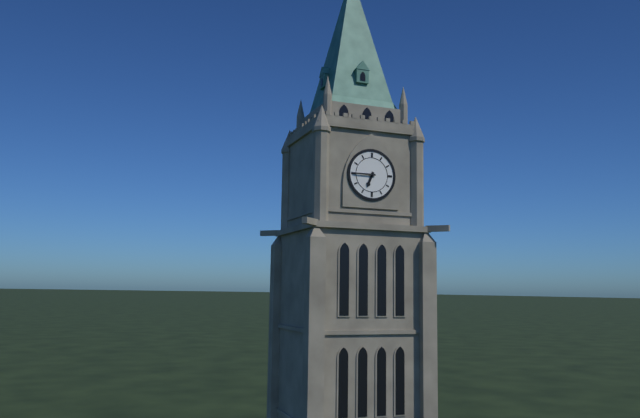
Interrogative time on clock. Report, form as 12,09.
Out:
6,45
